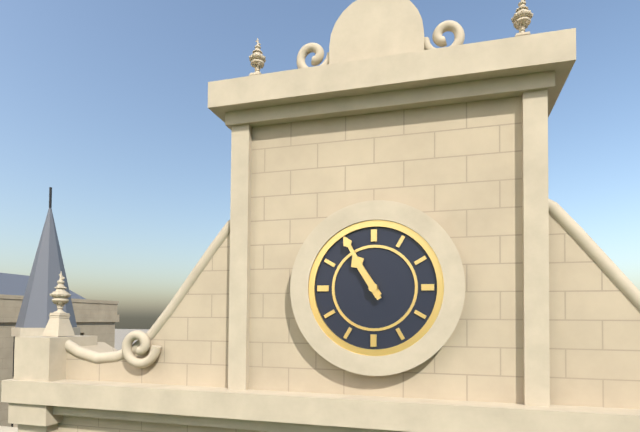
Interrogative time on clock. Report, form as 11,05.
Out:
10,55
